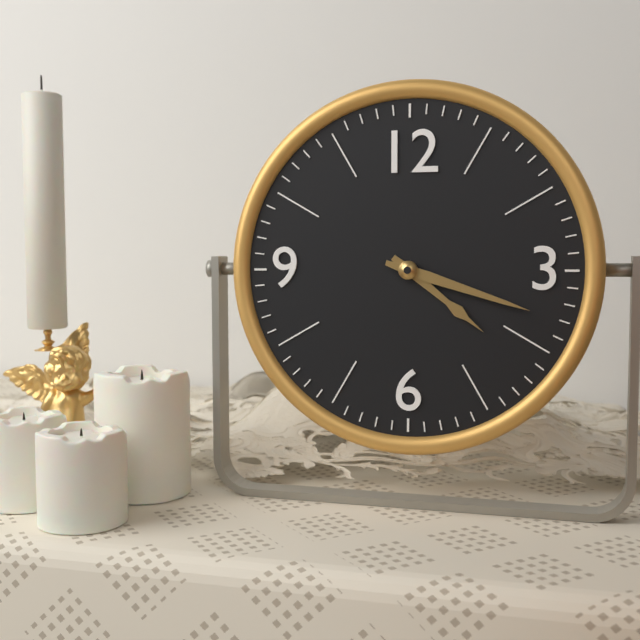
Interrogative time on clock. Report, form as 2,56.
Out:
4,18
